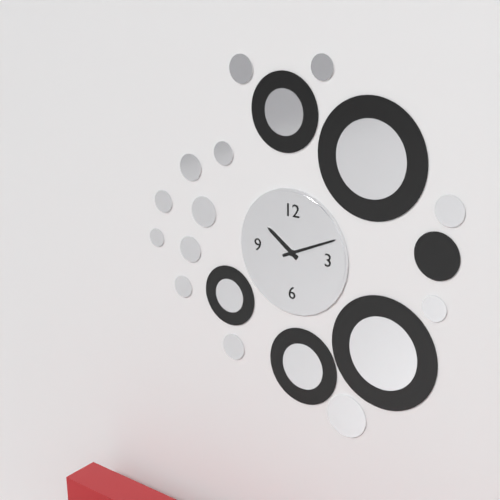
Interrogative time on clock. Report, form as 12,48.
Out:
10,11
